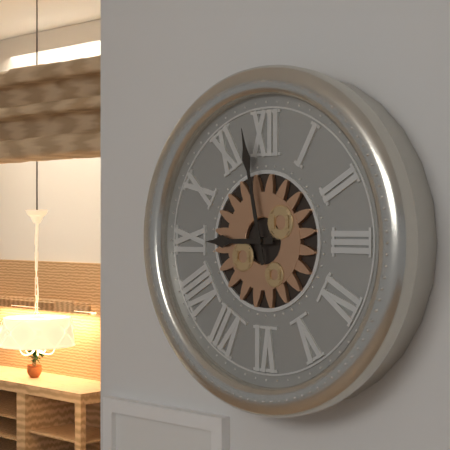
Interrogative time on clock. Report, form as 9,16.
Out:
8,58
